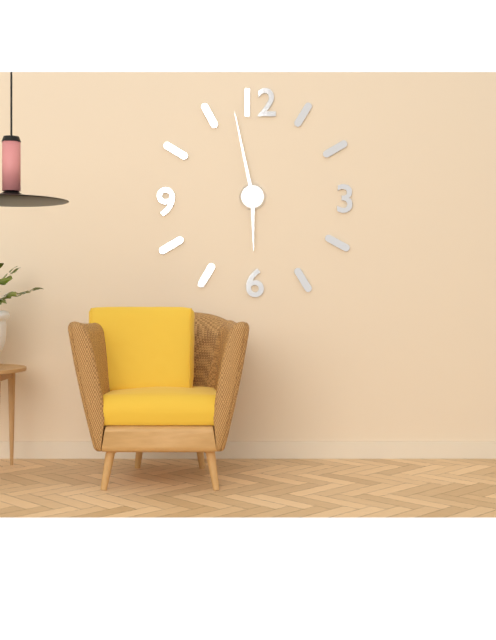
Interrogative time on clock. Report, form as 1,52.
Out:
5,58
